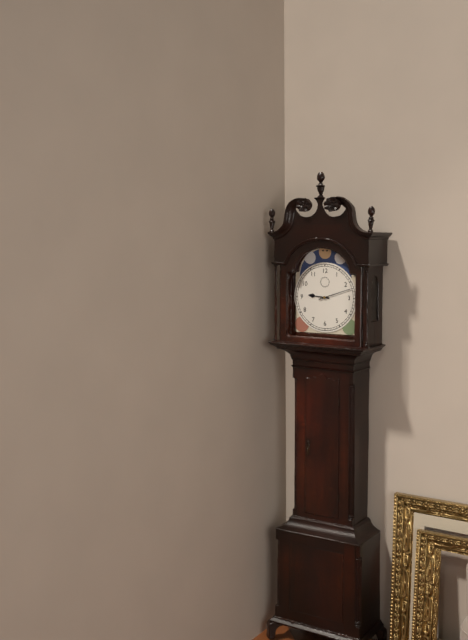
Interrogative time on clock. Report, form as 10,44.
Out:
9,12
